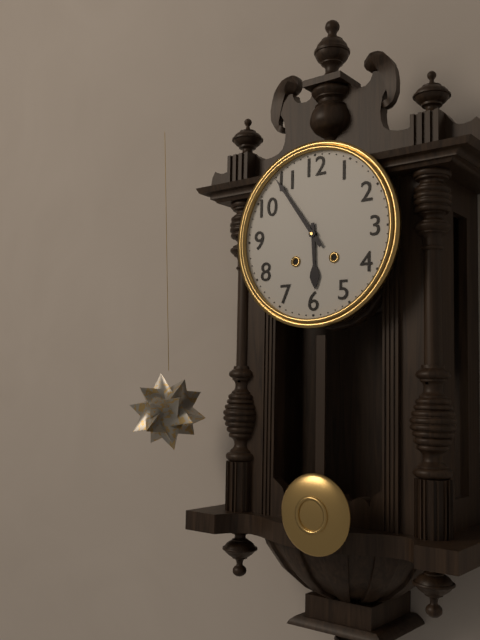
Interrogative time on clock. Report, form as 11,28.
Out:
5,54
